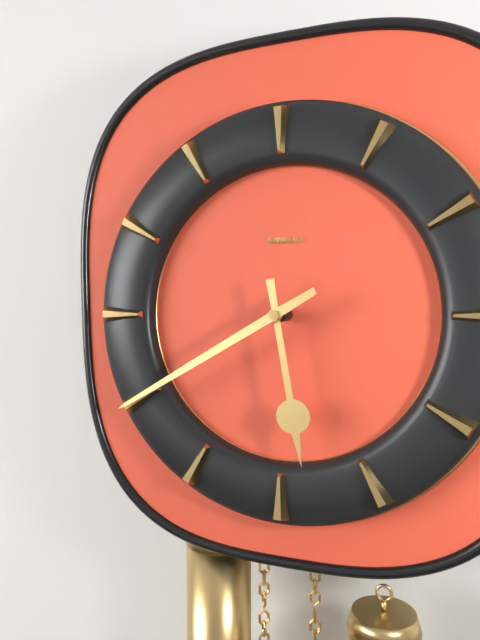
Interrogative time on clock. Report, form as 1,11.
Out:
5,40
